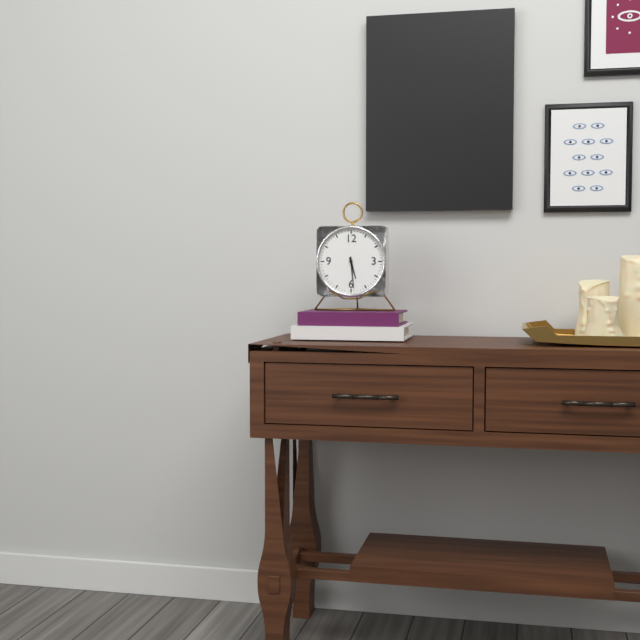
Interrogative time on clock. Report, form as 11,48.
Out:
5,29
